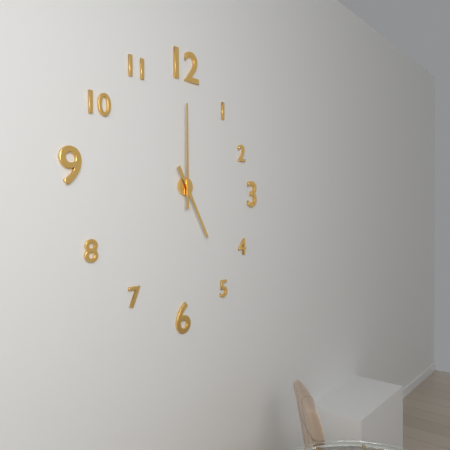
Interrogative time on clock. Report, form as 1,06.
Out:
5,00
